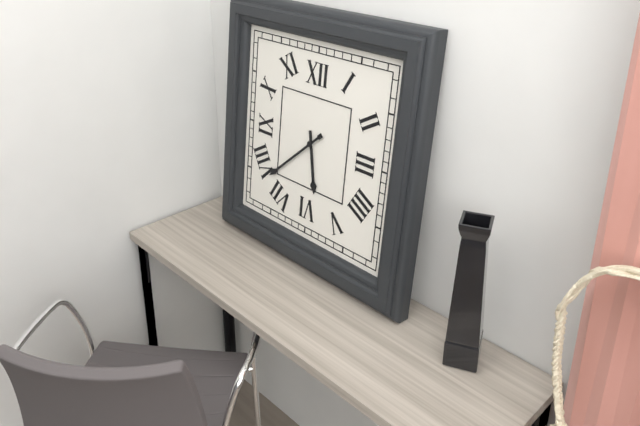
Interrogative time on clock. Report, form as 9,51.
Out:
5,38
